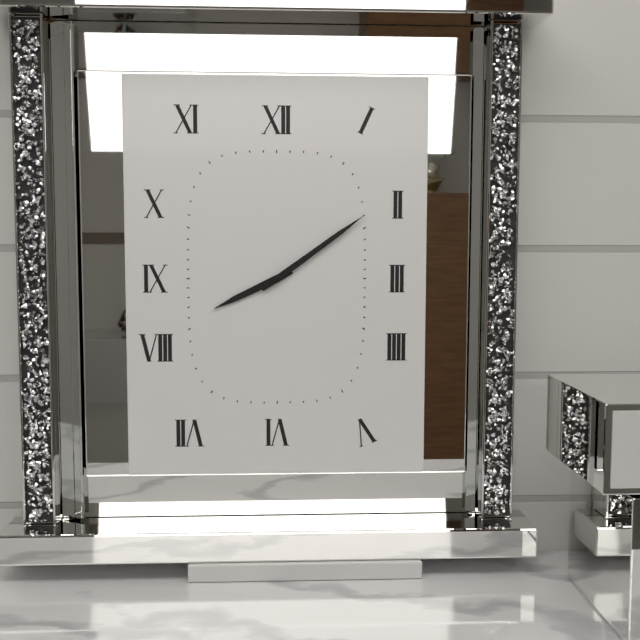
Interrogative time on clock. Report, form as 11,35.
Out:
8,09
